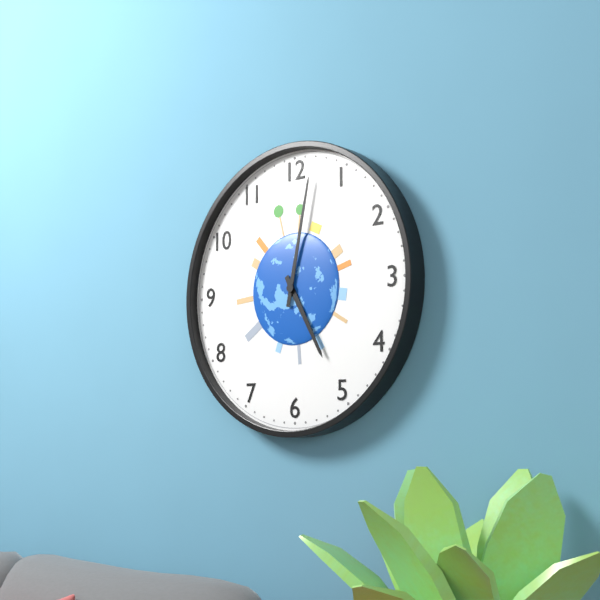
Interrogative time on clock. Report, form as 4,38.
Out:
5,02
